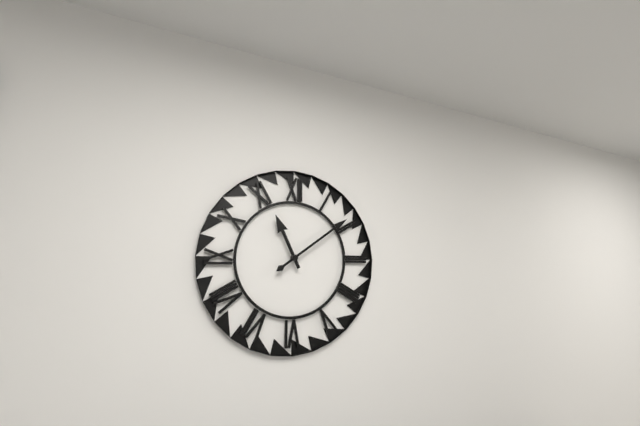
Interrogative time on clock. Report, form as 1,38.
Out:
11,09
